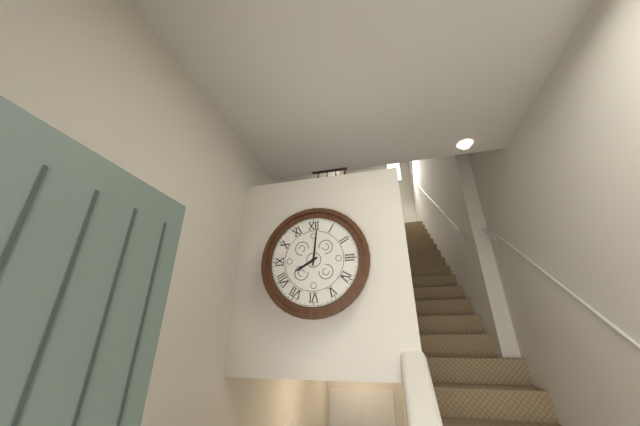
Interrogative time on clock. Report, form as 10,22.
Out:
8,01
